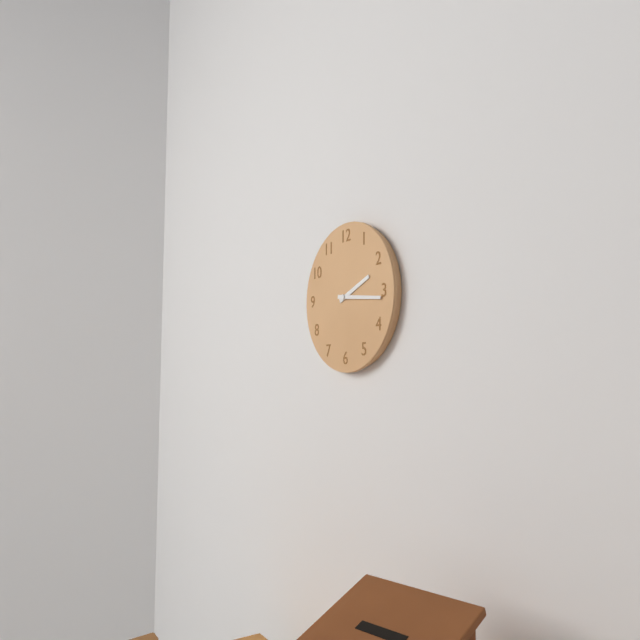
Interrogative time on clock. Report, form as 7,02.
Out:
2,16
